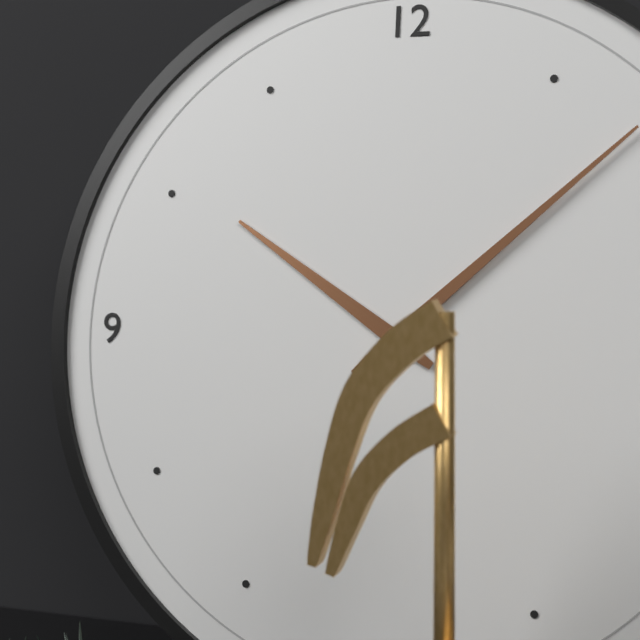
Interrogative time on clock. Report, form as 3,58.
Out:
10,08
